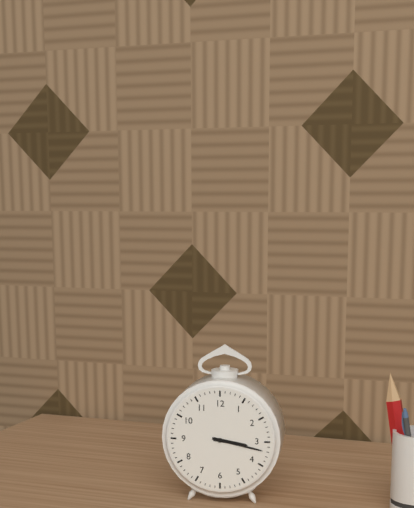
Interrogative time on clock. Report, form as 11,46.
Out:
3,17
